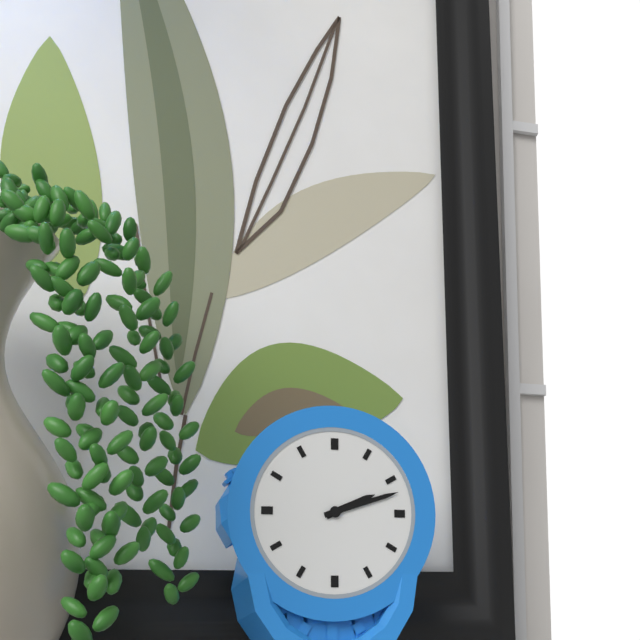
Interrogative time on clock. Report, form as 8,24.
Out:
2,12
